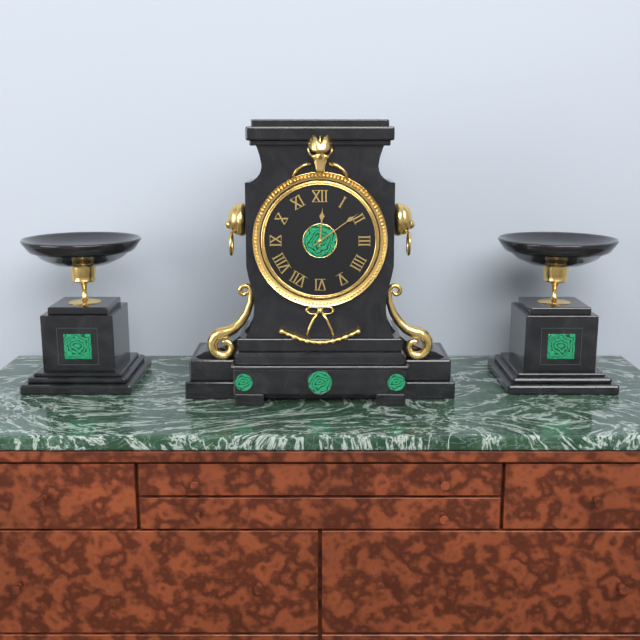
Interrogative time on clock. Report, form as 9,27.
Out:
12,09
